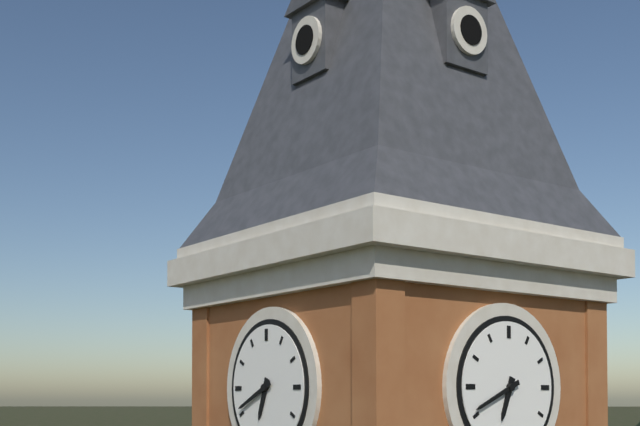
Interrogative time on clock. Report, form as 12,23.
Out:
6,41
